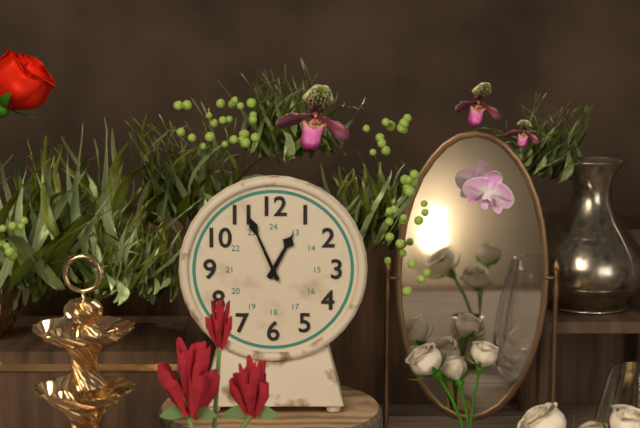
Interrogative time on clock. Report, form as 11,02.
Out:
12,56
